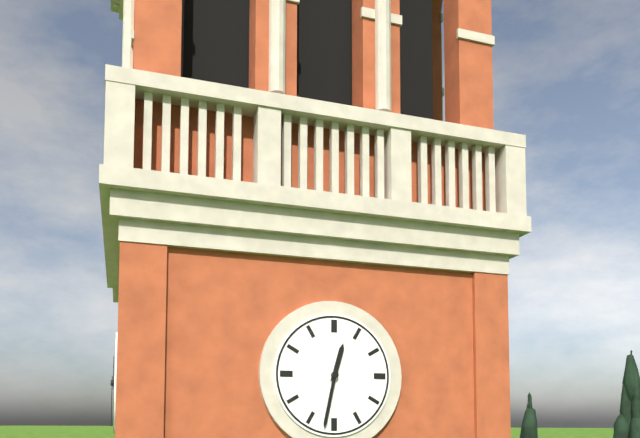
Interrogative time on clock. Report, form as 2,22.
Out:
12,32
